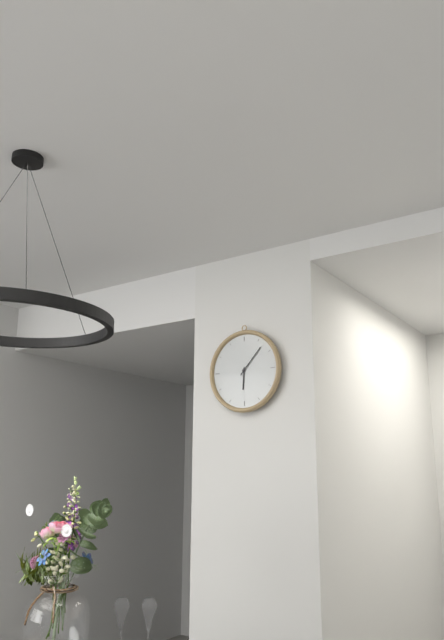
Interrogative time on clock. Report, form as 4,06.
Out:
6,07
